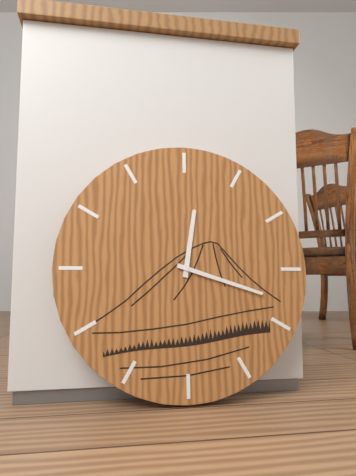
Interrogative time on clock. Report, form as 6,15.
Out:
12,18
